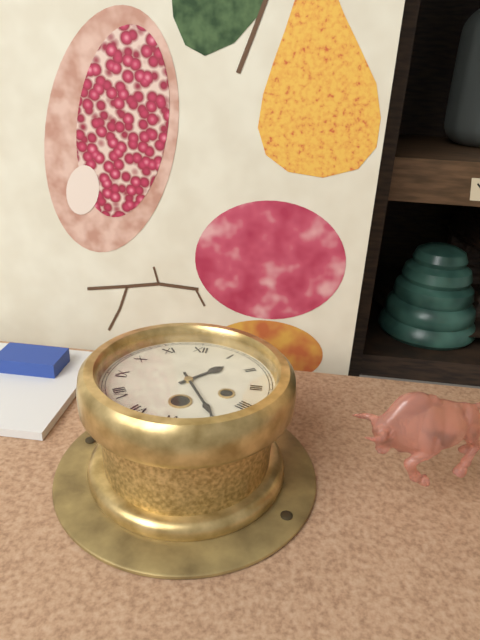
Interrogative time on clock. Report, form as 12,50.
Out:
1,25
